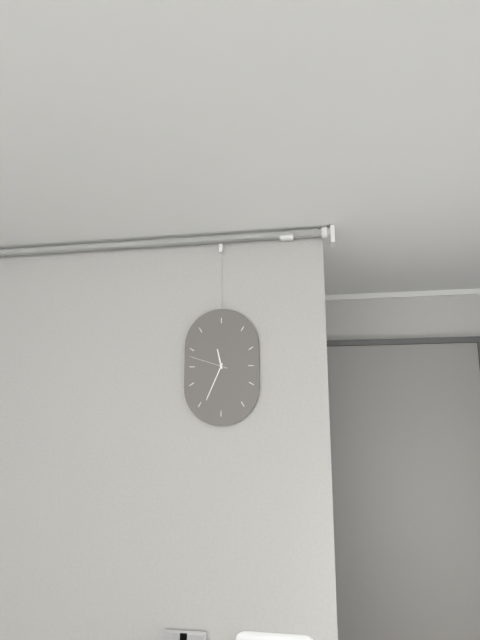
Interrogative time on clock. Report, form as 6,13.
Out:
11,34
